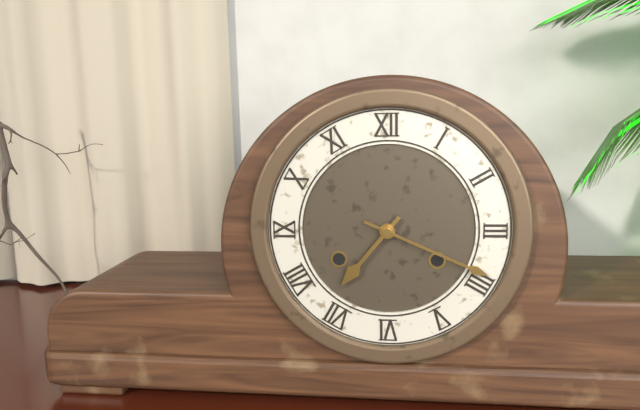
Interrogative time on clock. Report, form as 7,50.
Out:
7,19
